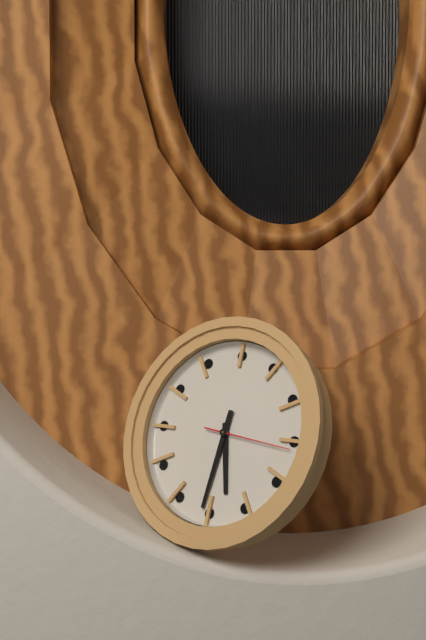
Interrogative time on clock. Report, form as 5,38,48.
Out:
5,31,16
